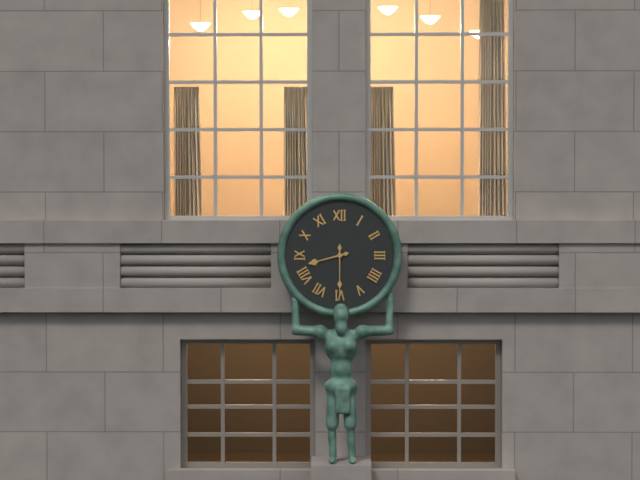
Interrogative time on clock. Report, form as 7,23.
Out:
8,30
